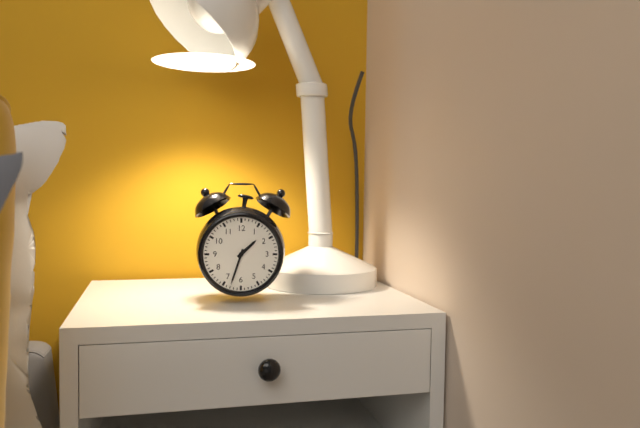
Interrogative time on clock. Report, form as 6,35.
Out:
1,33
